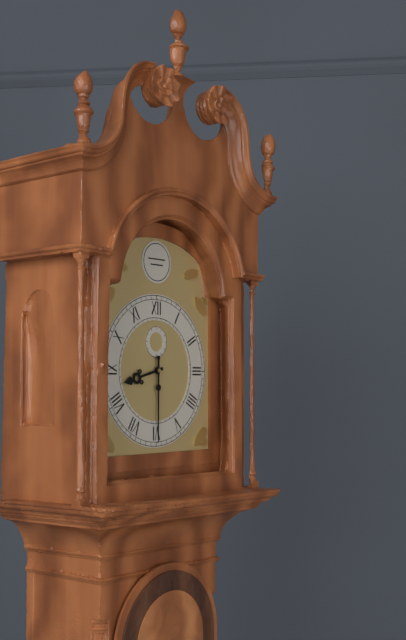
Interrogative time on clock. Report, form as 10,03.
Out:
8,30
